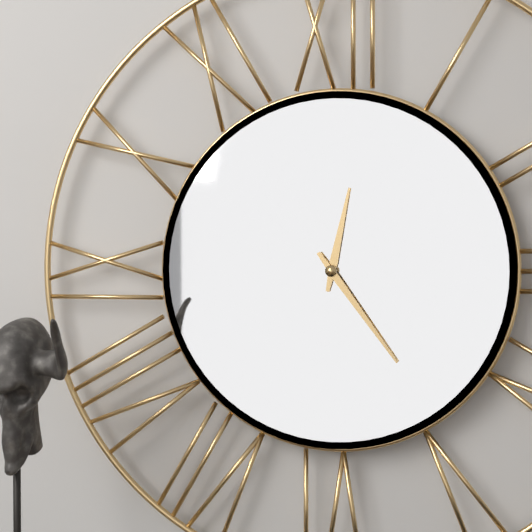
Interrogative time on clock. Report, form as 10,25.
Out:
12,24
